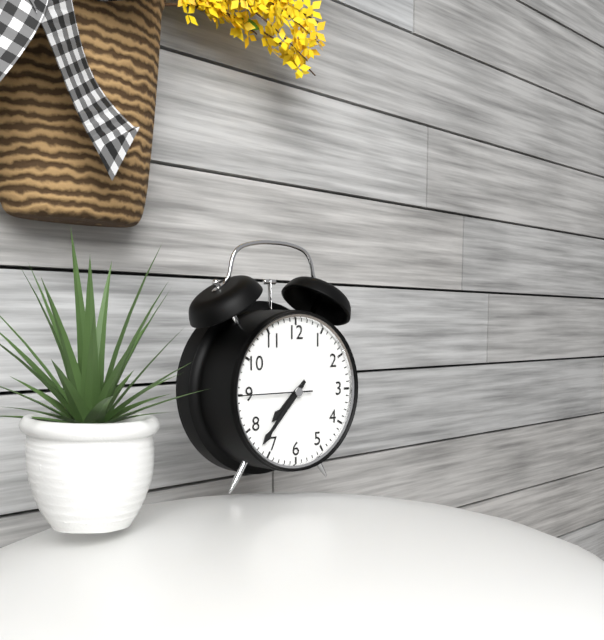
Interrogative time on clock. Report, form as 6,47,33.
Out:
7,37,45
